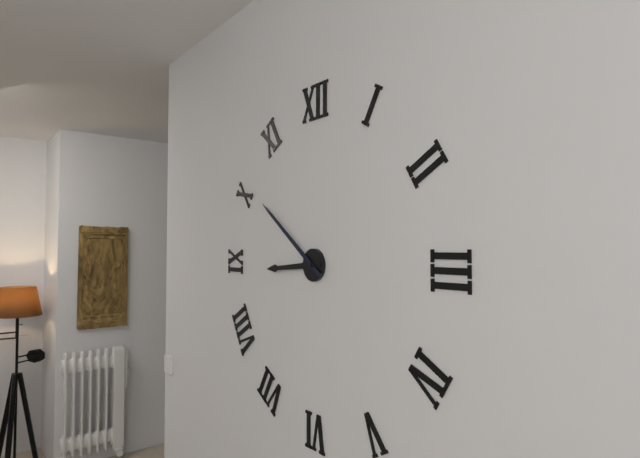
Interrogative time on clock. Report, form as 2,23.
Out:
8,51
